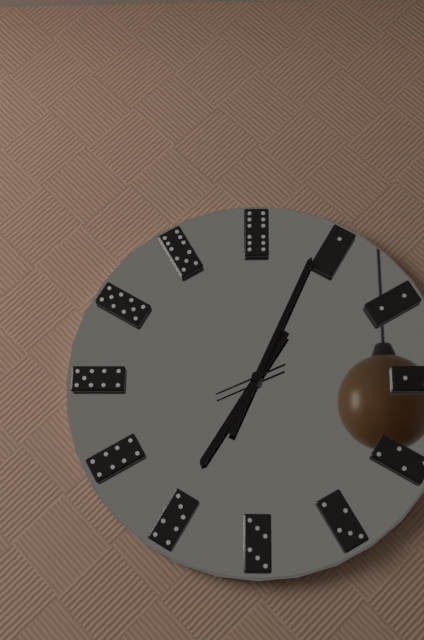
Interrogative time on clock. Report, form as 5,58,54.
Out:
7,04,41
